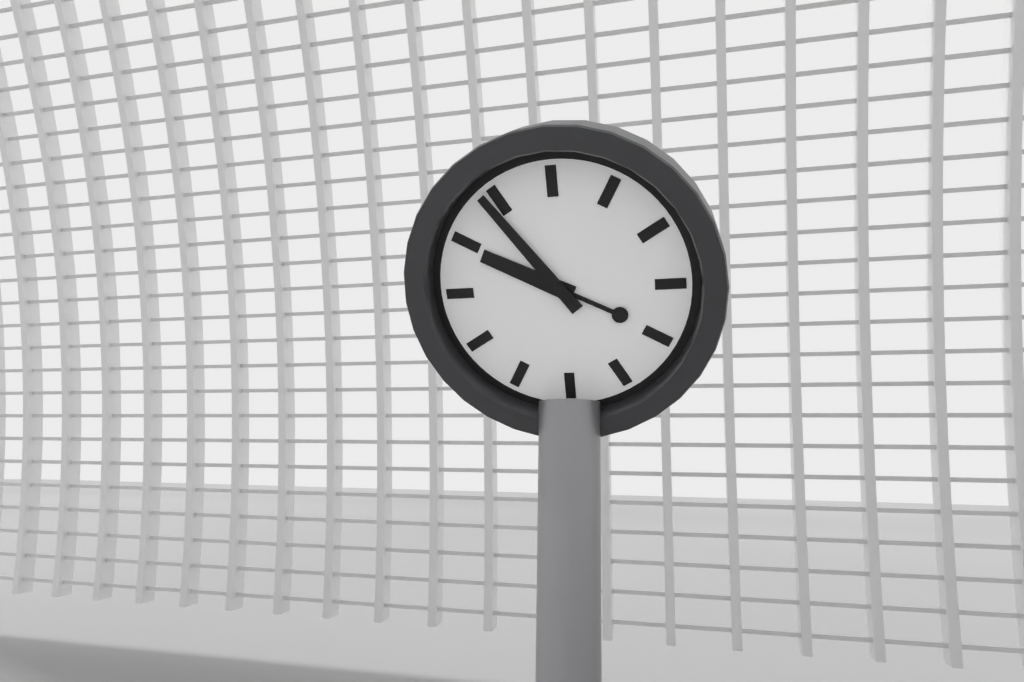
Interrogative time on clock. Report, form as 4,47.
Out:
9,54
